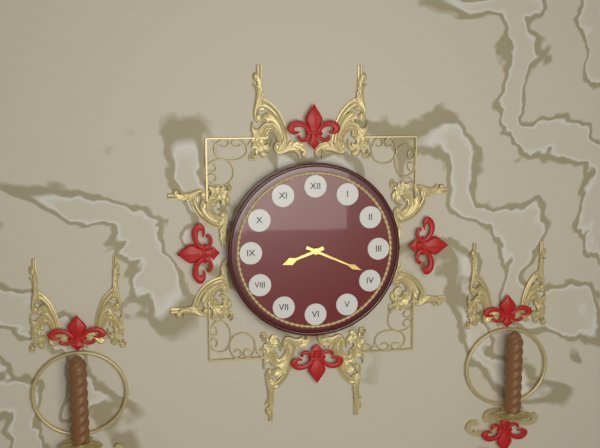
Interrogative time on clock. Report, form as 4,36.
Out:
8,19
